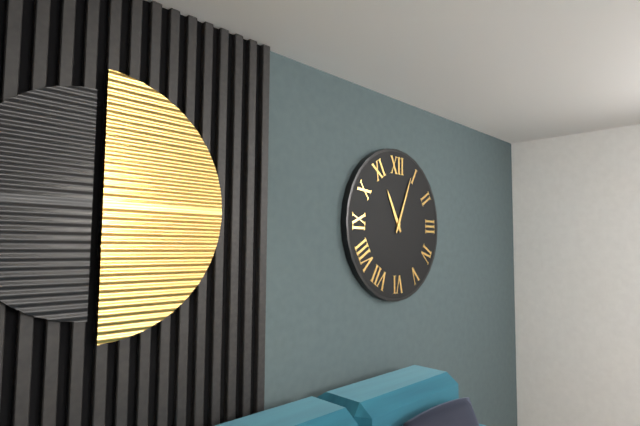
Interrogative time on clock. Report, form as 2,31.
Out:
11,04
